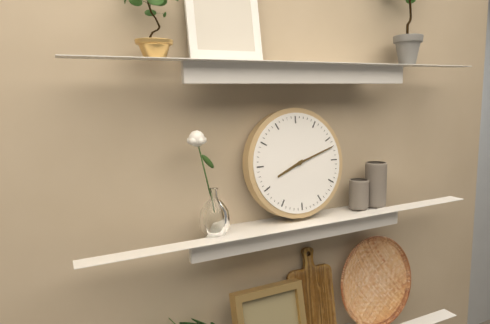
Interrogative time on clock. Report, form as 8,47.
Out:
8,12
